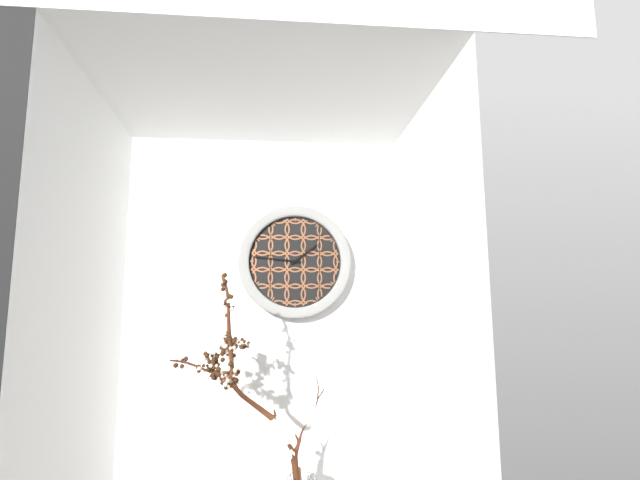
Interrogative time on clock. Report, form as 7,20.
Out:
1,46
